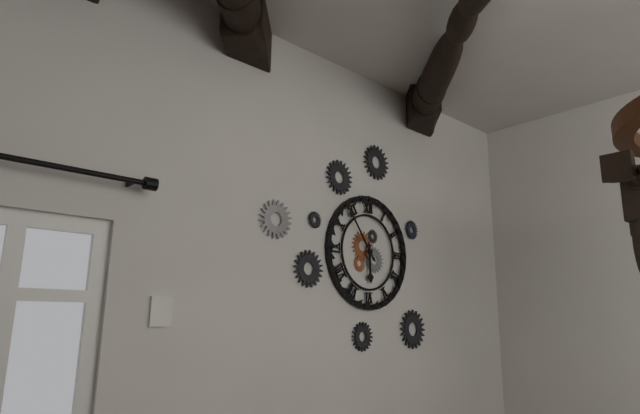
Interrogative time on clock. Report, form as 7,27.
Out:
5,54
